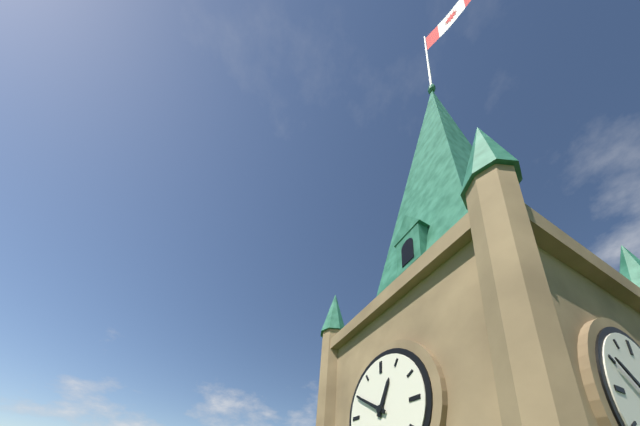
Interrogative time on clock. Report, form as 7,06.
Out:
12,50
